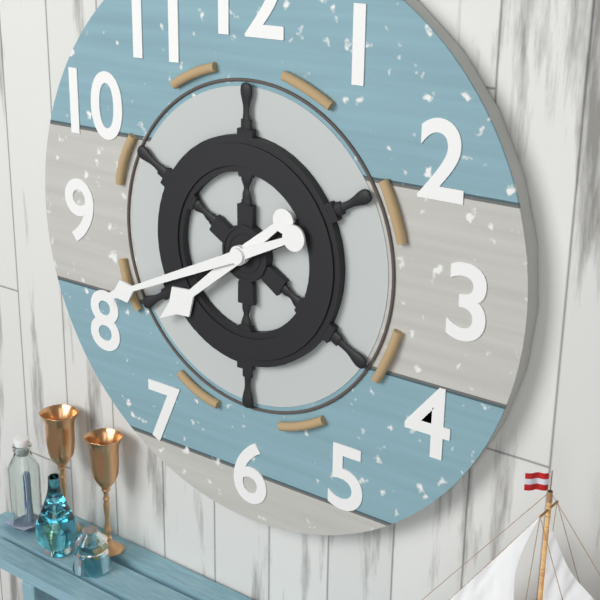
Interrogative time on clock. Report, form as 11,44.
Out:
7,41
